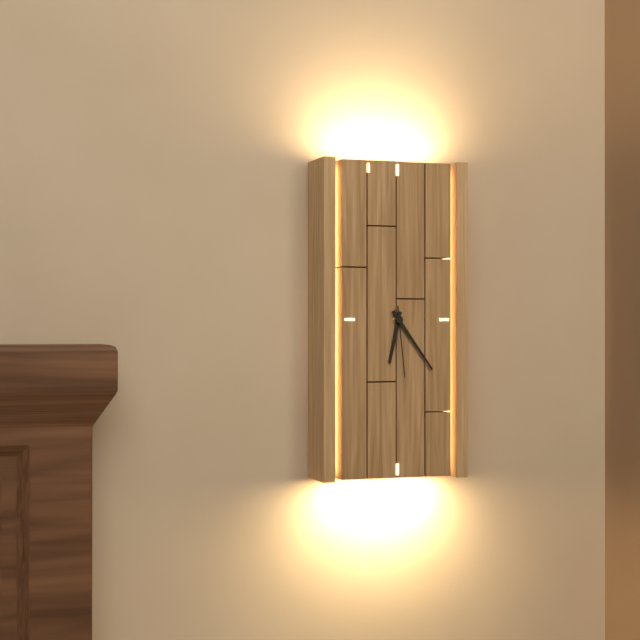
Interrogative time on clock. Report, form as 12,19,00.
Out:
6,24,29
